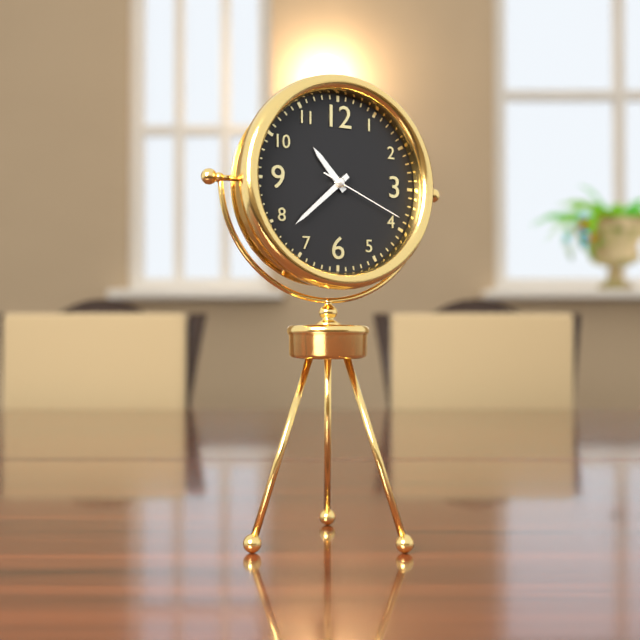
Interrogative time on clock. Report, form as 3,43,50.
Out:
10,38,19
